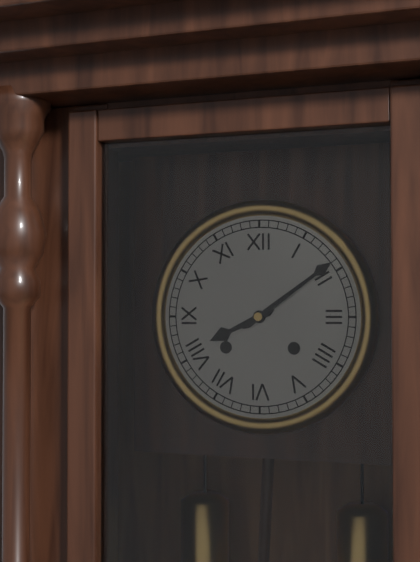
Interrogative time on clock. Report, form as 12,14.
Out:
8,09
